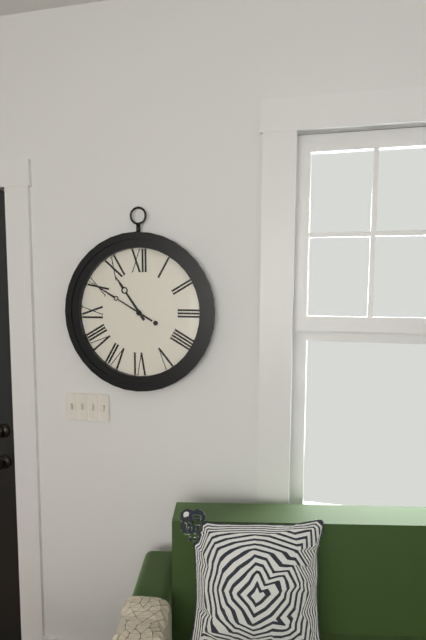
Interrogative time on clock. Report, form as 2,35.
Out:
10,50
